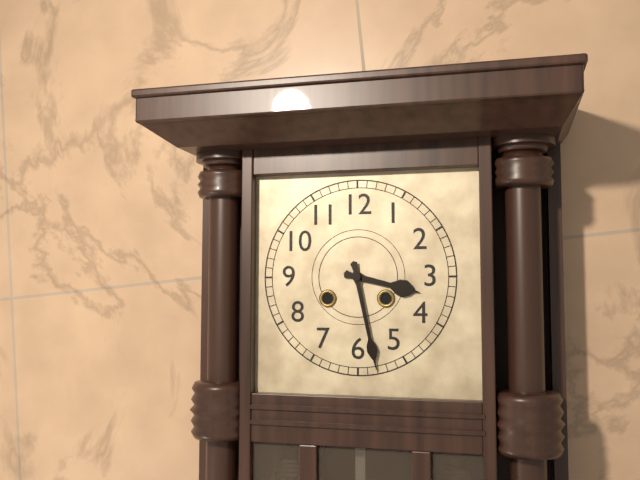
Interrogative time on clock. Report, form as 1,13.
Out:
3,28
